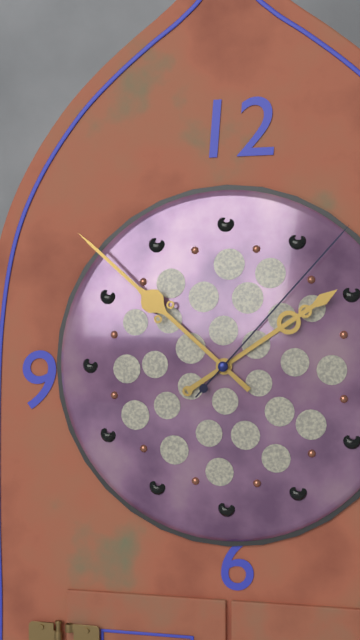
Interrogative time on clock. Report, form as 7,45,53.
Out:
1,52,07
